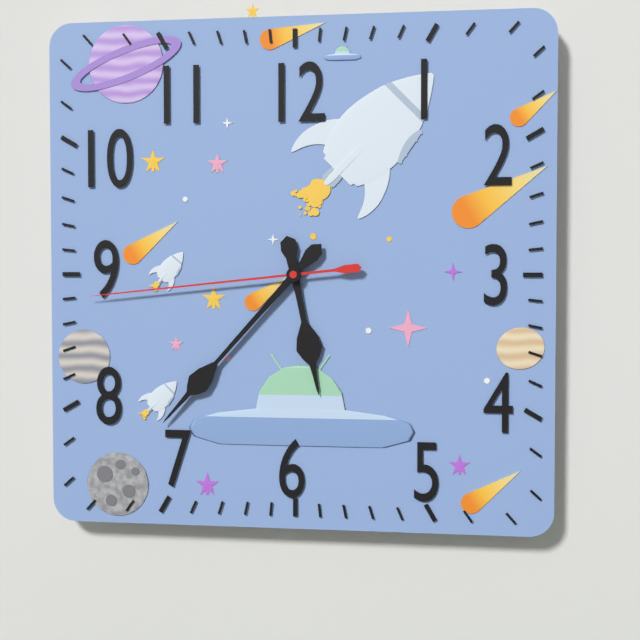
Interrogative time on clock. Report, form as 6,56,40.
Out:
5,37,44
